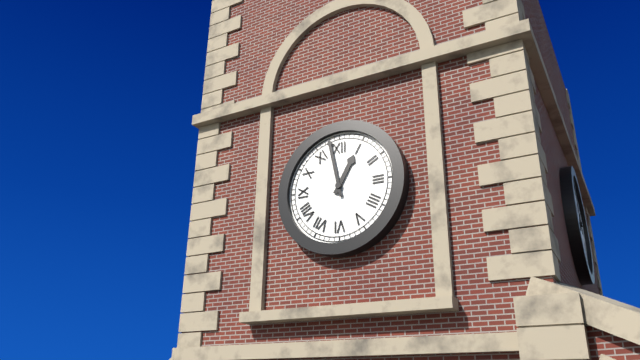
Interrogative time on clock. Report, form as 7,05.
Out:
12,58
